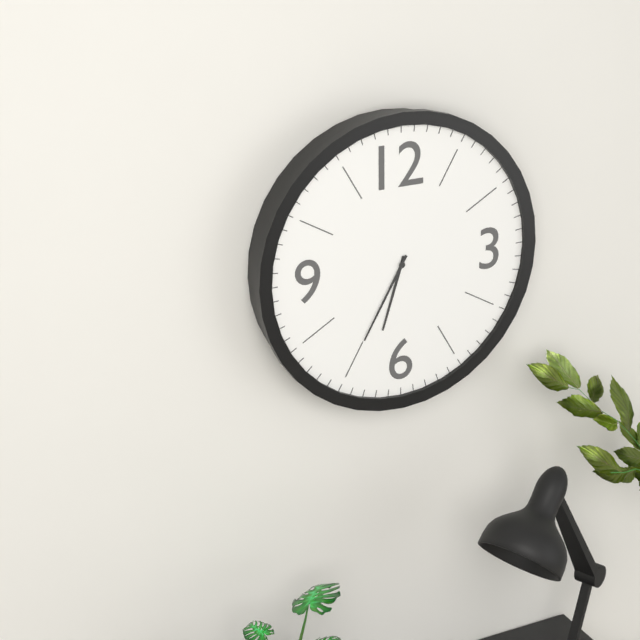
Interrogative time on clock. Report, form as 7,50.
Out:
6,35
